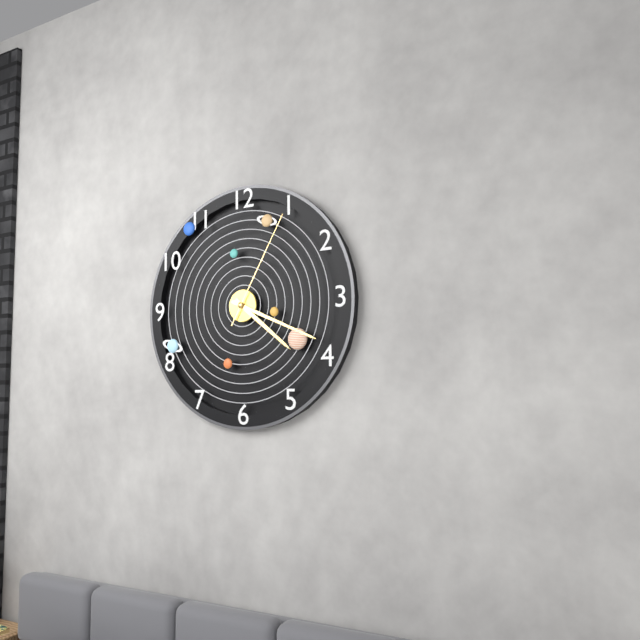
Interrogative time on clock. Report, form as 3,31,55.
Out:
4,19,05
